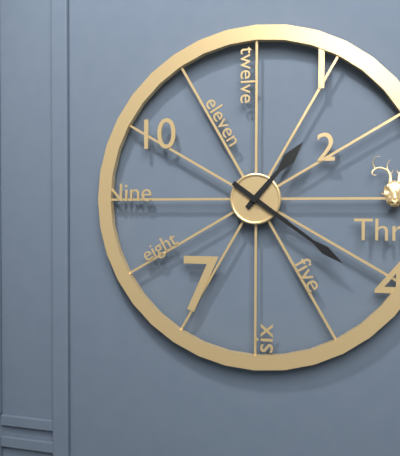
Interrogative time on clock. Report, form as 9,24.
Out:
1,21
